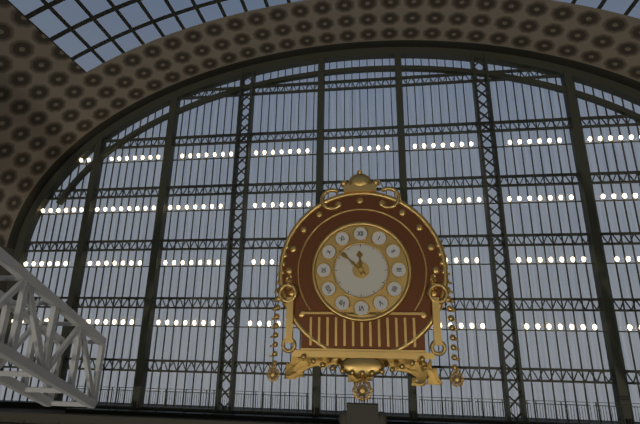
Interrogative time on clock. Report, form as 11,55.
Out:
11,52
